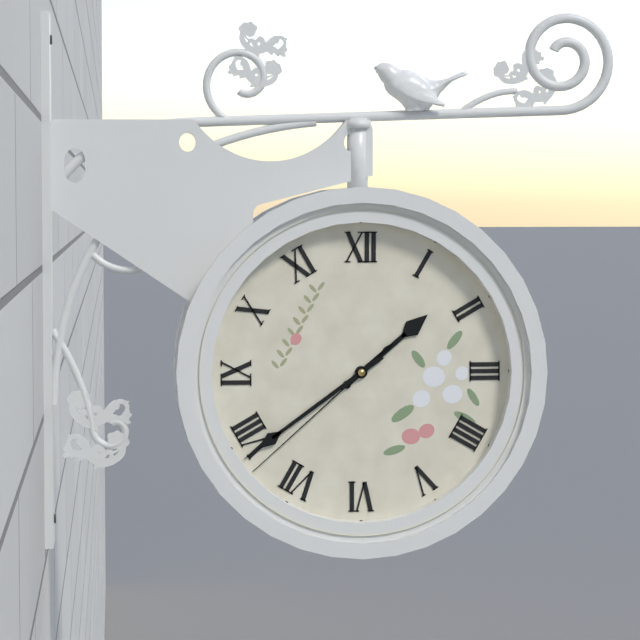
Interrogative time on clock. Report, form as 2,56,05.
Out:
1,39,38
